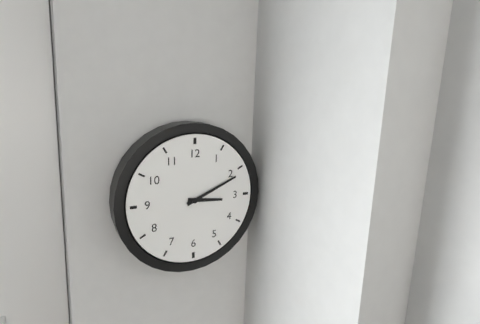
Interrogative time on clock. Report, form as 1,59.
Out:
3,11
